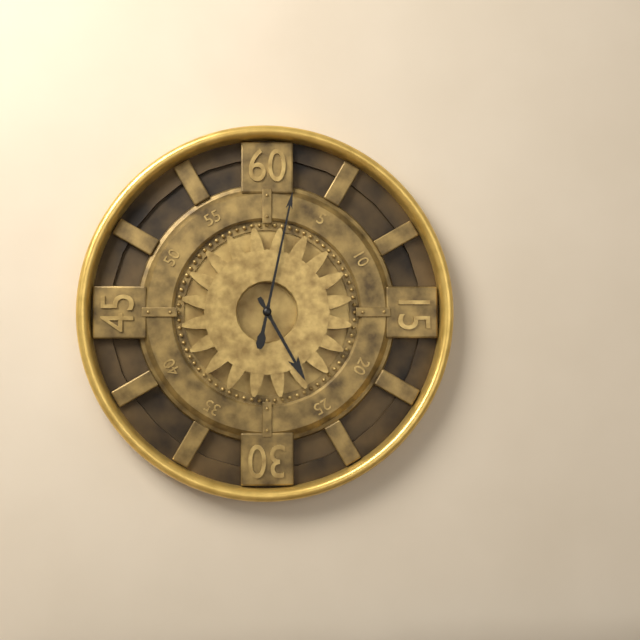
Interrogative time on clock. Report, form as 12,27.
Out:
5,02
